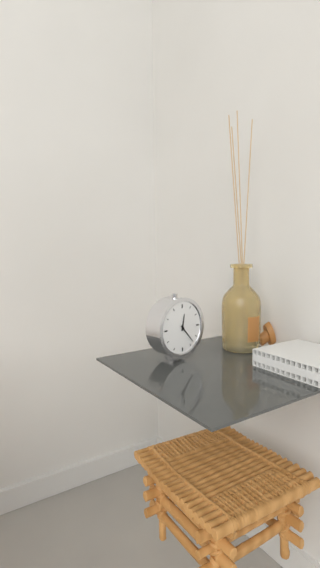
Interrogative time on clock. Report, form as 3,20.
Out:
12,23
